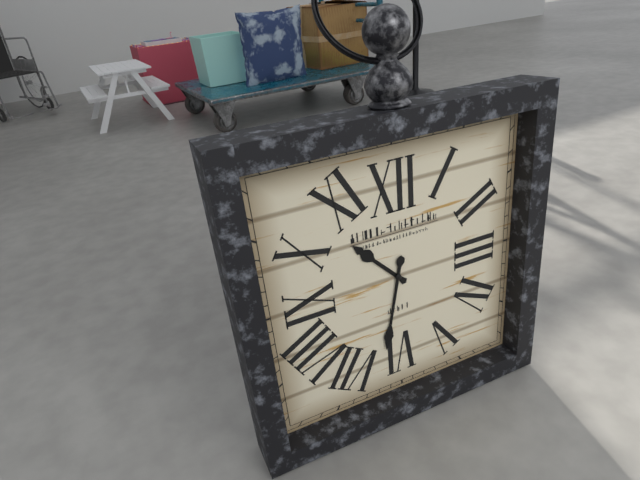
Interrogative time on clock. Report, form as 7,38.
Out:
10,32
